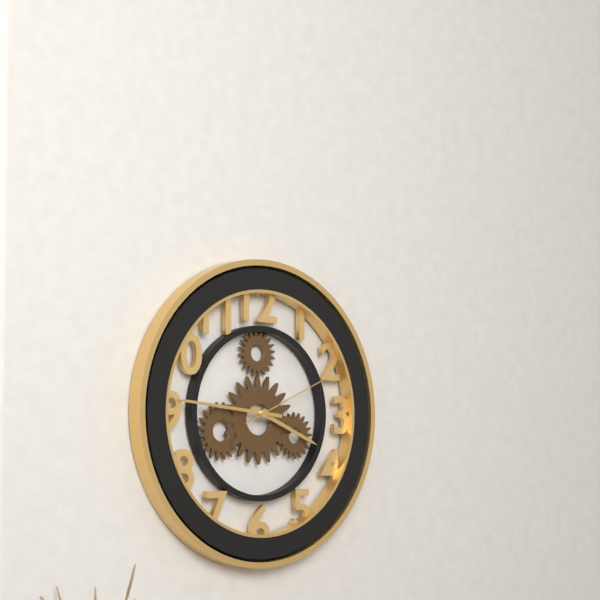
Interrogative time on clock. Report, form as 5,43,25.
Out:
3,46,11
